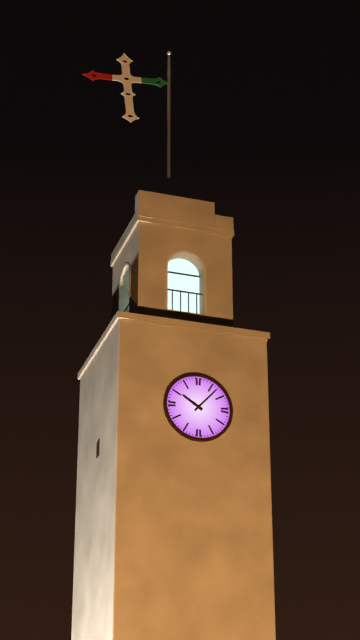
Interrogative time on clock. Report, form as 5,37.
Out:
10,07
